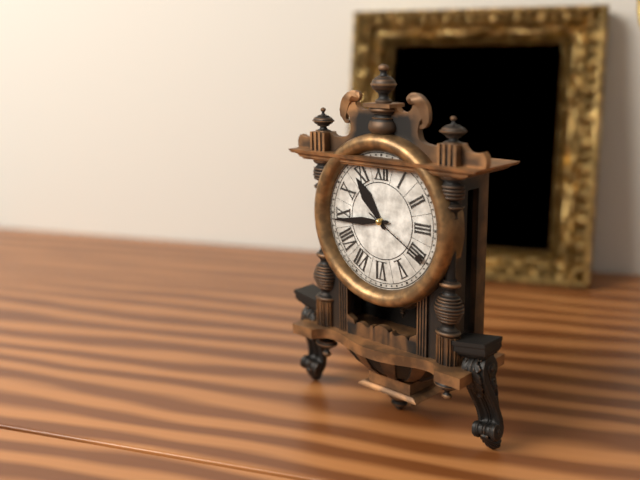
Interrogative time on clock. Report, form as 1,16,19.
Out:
10,44,20
